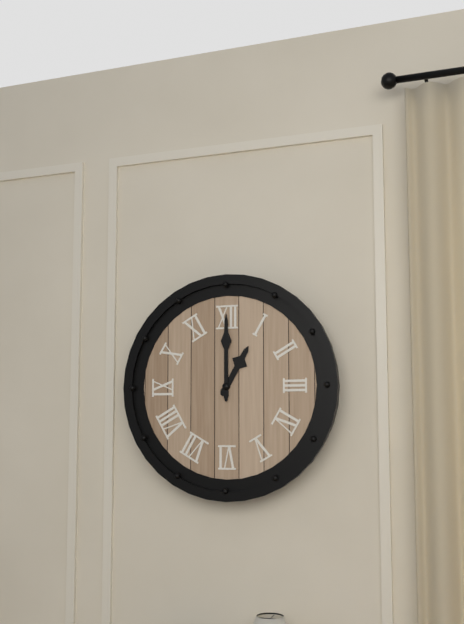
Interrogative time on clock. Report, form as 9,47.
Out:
1,00
